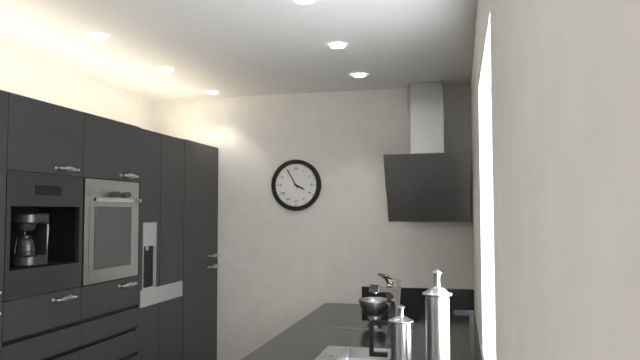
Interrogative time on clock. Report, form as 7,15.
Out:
3,55
